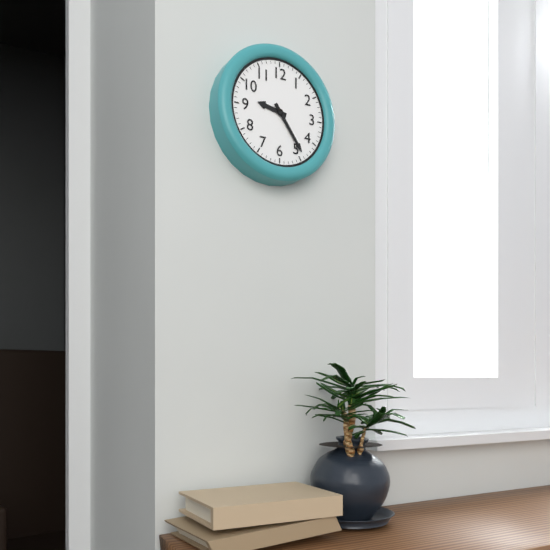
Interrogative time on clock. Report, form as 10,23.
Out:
9,24
